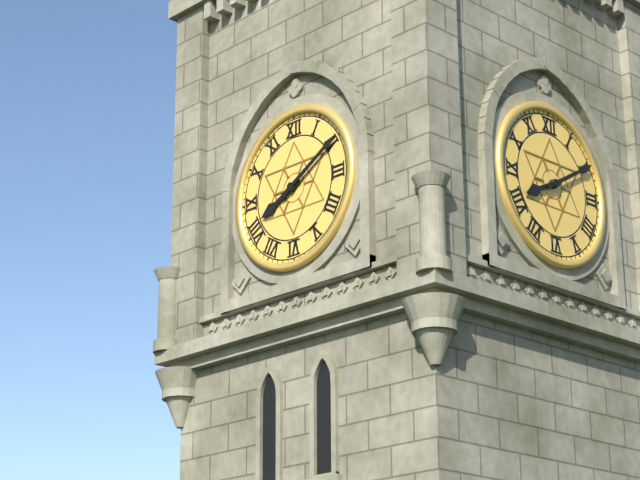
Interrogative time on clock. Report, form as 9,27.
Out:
8,10
